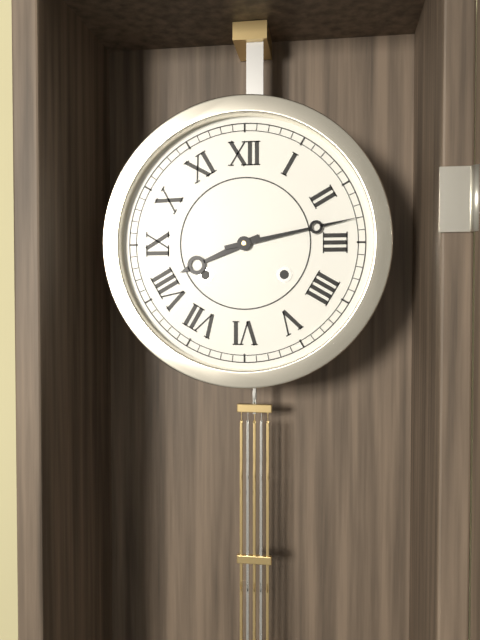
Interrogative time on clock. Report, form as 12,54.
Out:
8,13
